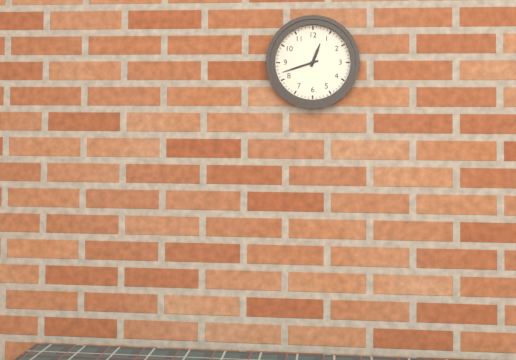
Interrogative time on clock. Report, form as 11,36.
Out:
12,42
